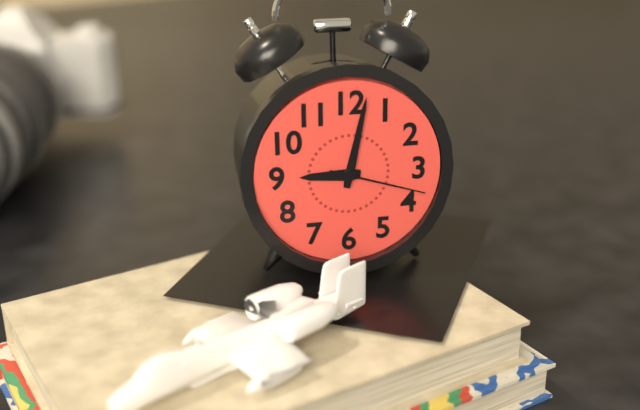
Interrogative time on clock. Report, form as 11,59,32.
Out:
9,02,18
